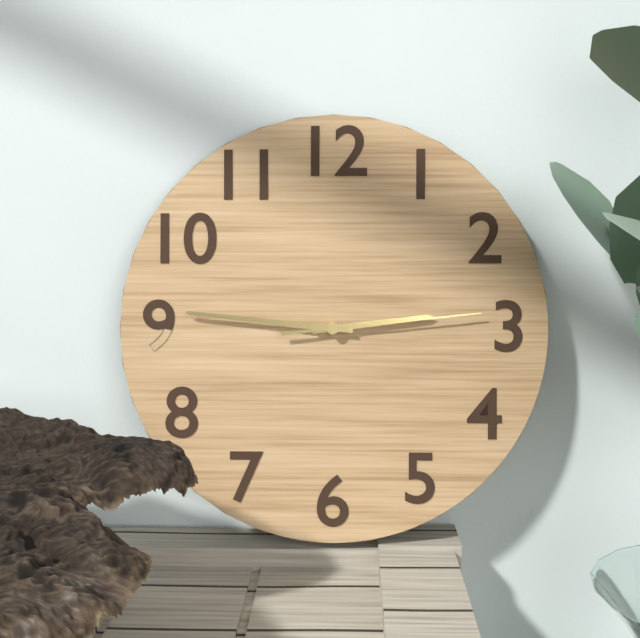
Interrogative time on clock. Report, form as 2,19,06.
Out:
2,46,14
